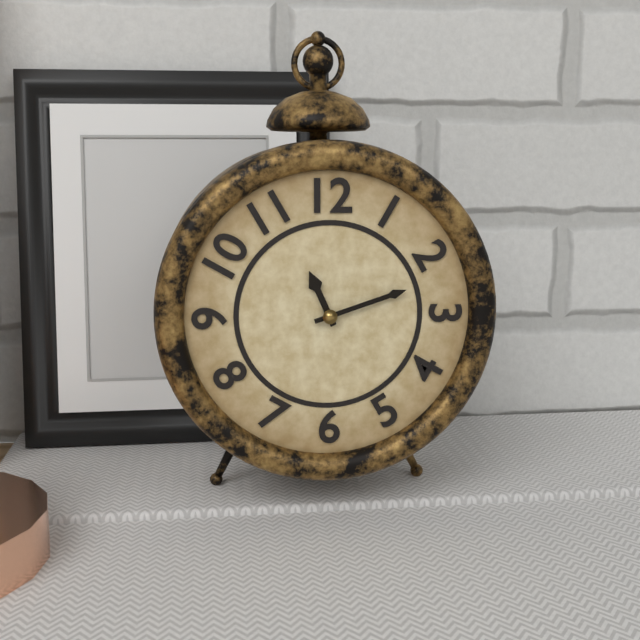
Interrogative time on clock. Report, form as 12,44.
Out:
11,12
